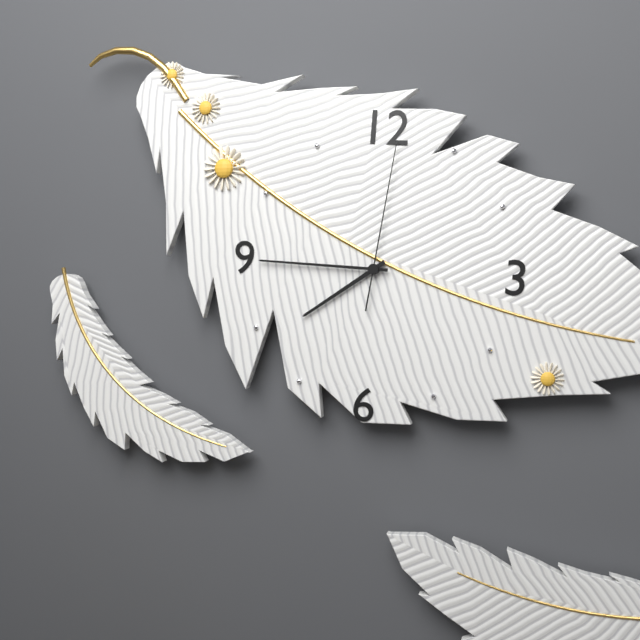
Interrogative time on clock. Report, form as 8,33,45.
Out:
7,45,01
